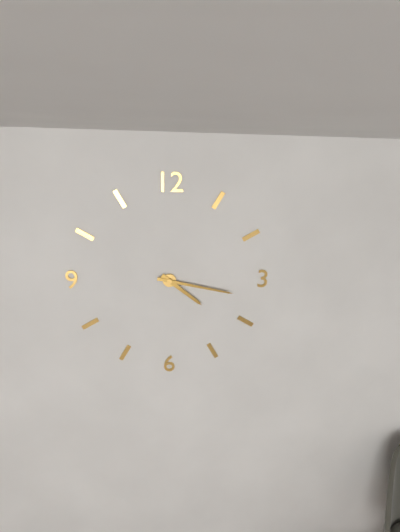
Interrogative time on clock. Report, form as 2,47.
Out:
4,17
